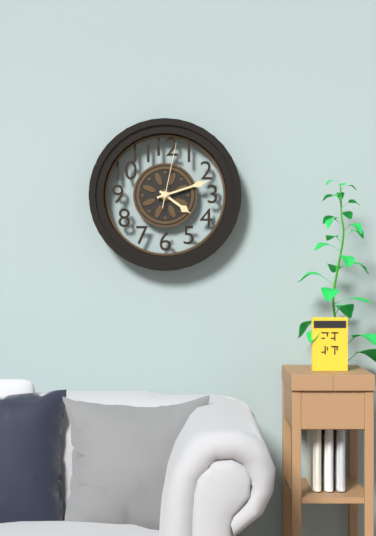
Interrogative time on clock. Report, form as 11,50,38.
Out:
4,12,02
